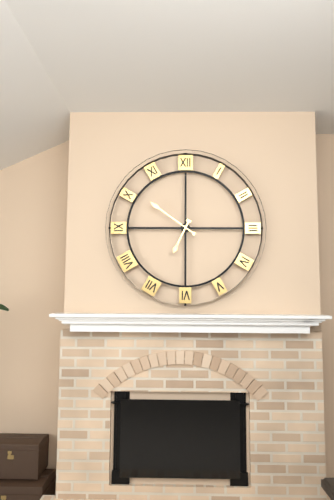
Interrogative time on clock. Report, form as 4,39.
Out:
6,51
